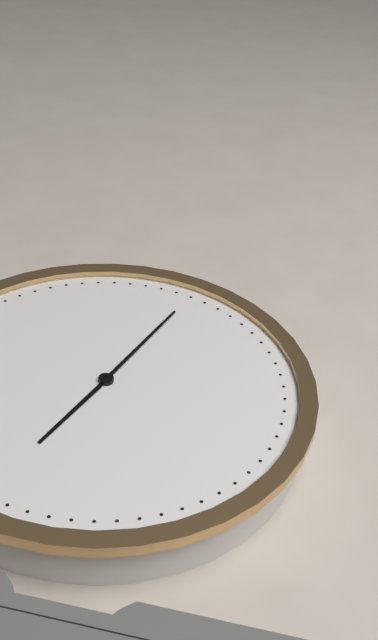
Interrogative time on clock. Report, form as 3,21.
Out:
11,27
